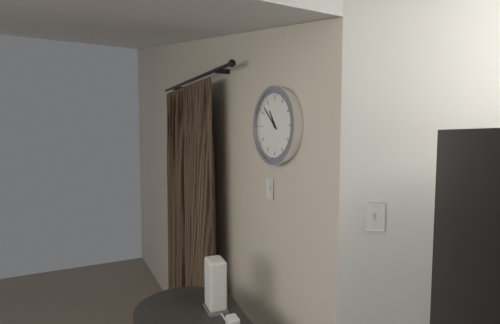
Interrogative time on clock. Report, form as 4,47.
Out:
10,52
